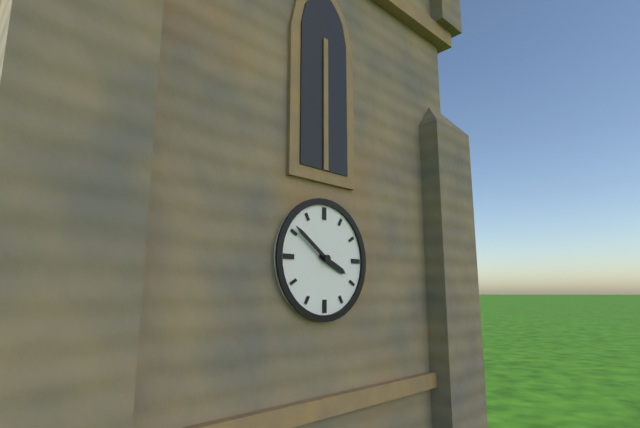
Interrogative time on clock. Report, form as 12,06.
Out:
3,51
